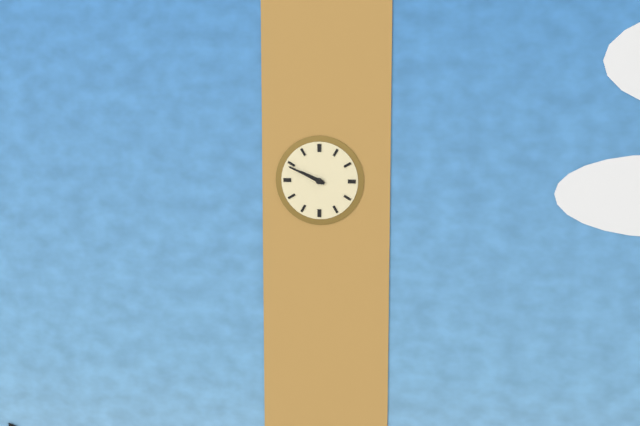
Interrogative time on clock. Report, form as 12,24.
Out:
9,49
